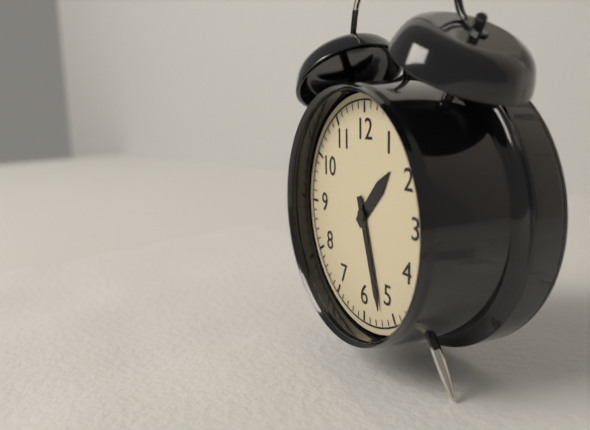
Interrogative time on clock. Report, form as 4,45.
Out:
1,27
